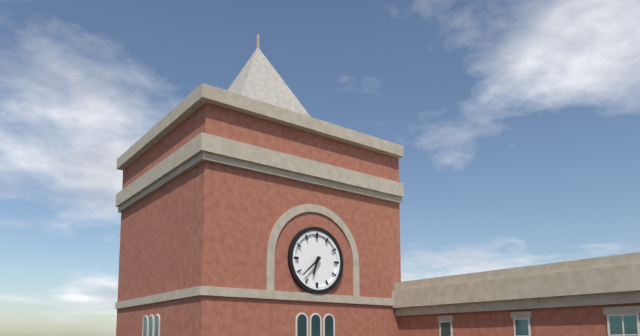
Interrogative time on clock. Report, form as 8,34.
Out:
6,38
